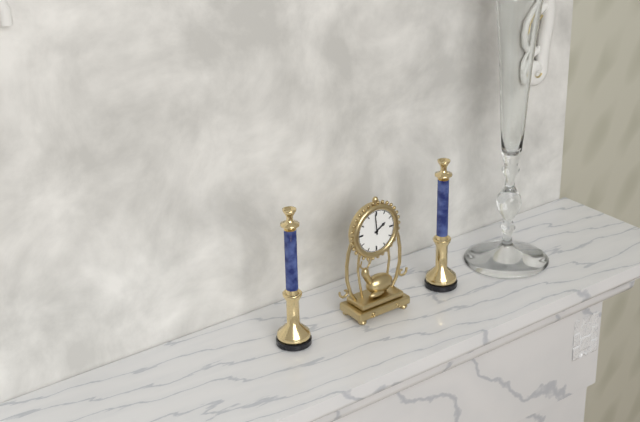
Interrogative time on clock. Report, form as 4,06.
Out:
1,59
